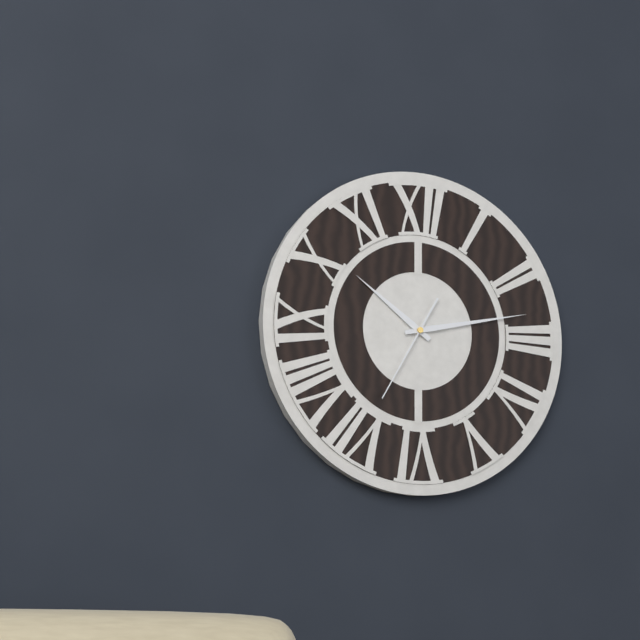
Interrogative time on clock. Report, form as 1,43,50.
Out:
10,13,35
